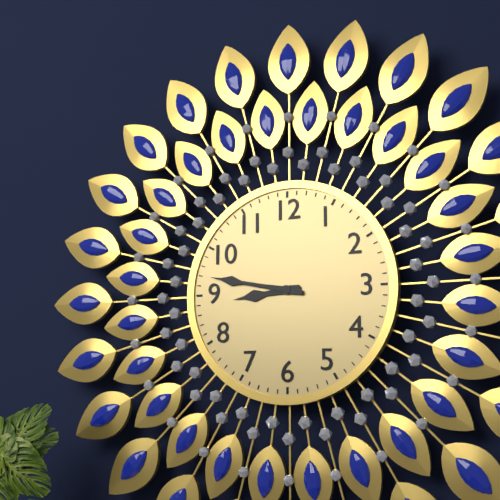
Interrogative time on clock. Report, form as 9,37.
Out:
8,47
